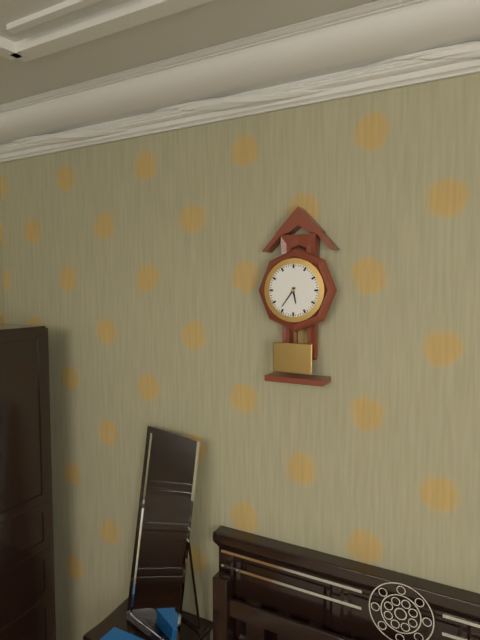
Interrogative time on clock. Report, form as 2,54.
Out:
5,36
